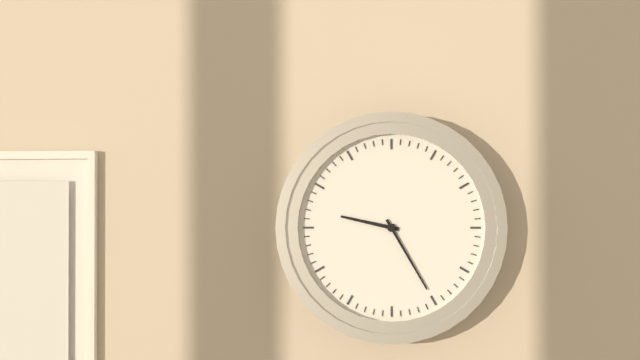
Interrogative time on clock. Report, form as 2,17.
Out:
9,25
